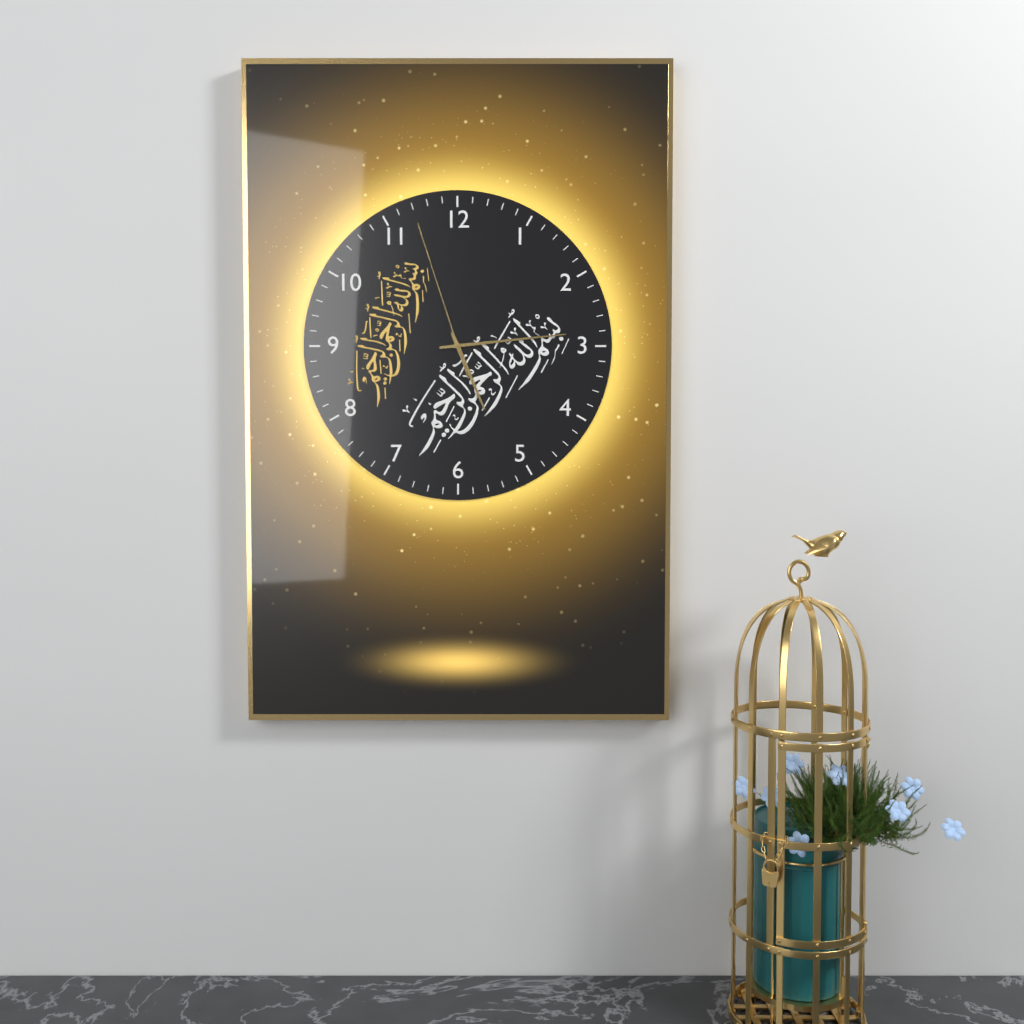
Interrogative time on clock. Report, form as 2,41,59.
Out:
5,14,57
